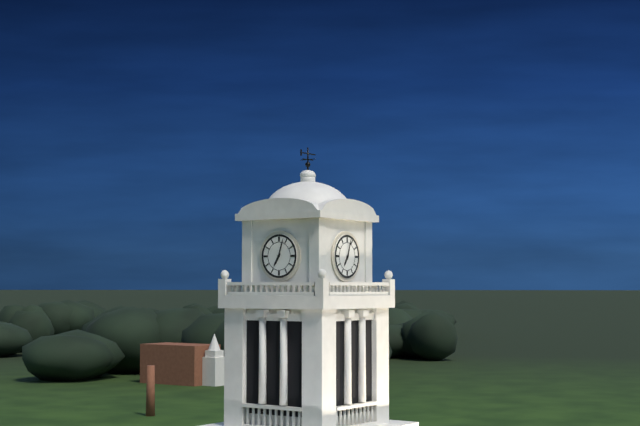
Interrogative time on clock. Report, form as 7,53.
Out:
7,03
